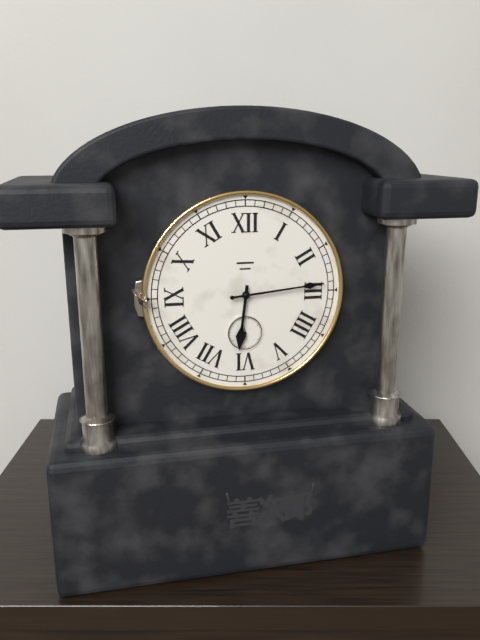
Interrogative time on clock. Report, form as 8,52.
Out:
6,14
